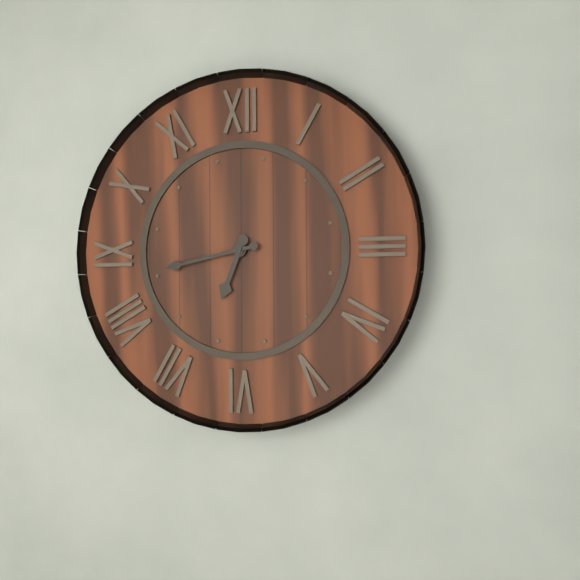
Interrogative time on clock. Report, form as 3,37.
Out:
6,43
